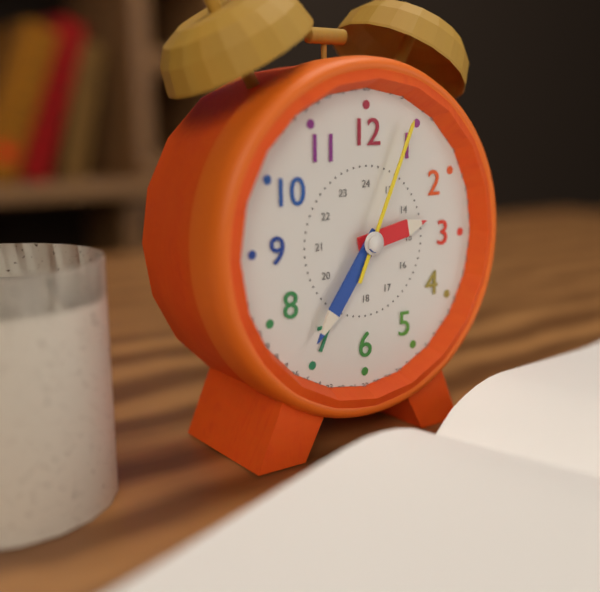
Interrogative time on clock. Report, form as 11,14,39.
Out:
2,36,04
